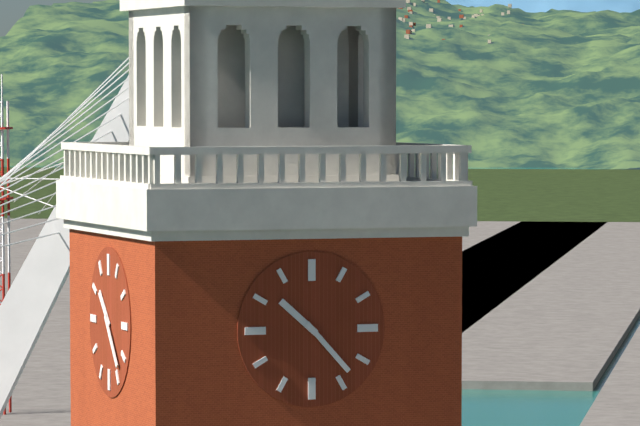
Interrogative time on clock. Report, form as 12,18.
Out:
10,23
